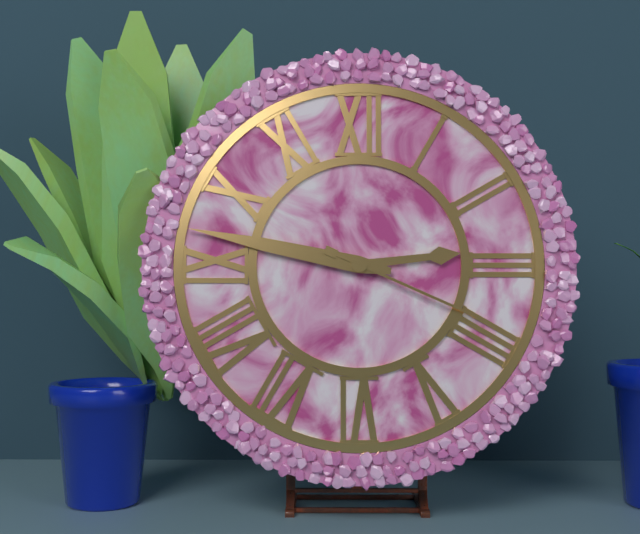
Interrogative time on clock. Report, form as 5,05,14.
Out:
2,47,19
